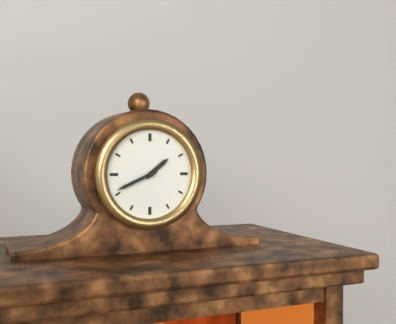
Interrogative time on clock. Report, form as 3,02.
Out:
1,41
